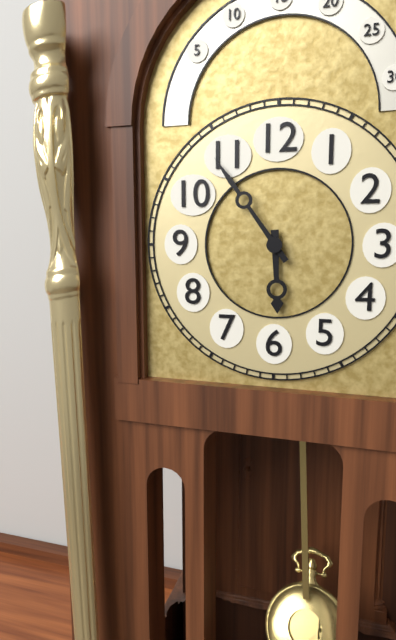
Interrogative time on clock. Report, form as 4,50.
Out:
5,54
